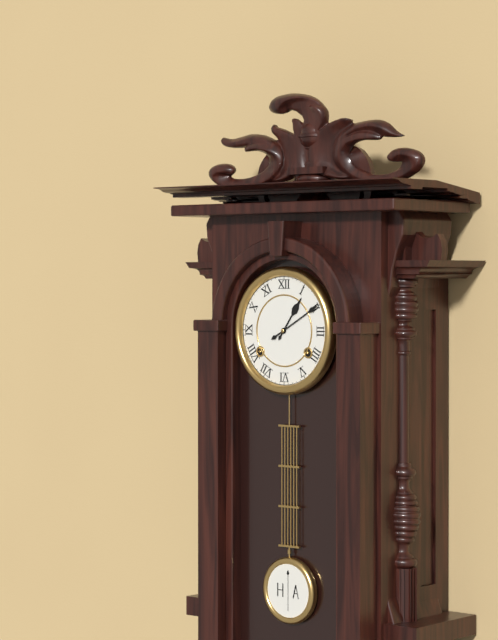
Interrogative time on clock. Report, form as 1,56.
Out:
1,10
